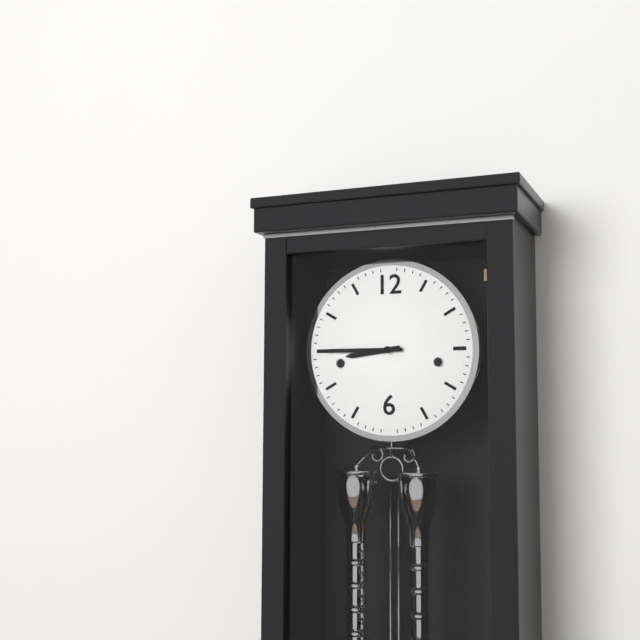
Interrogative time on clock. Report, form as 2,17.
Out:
8,45
